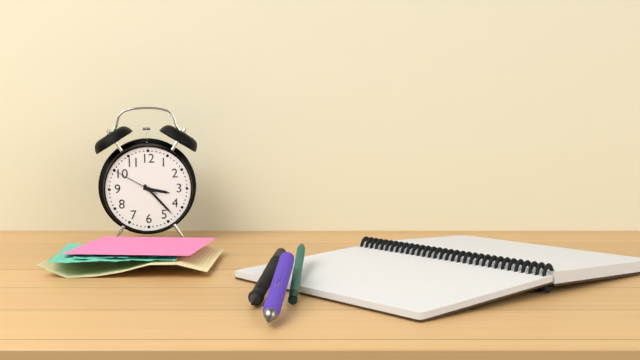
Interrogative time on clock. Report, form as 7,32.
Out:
3,23
